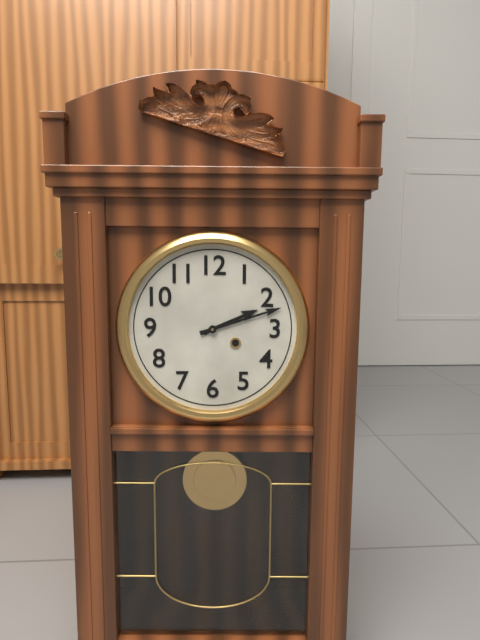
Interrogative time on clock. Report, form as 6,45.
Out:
2,12
